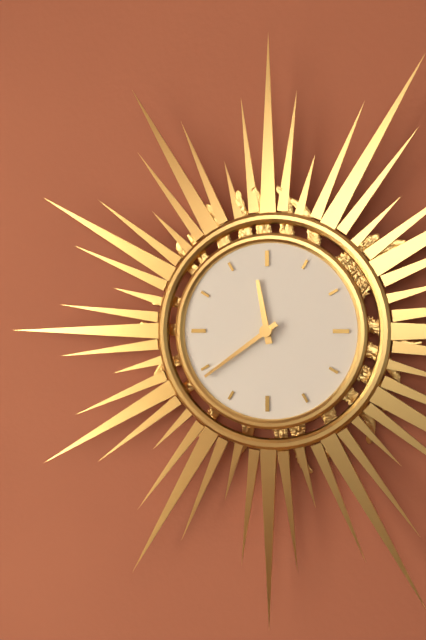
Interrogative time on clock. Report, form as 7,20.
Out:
11,39
